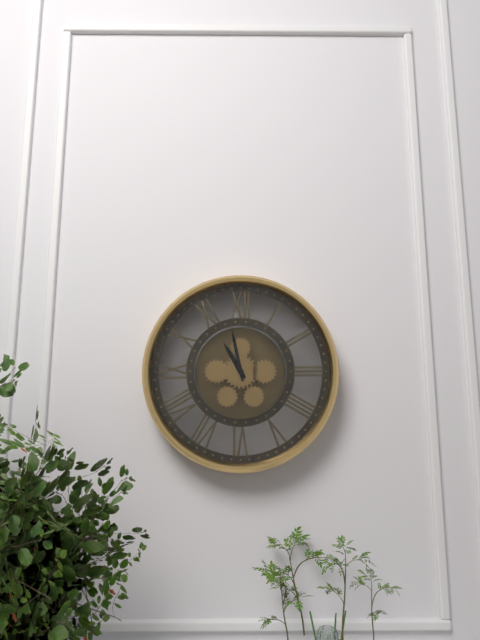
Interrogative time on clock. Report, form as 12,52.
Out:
10,58
